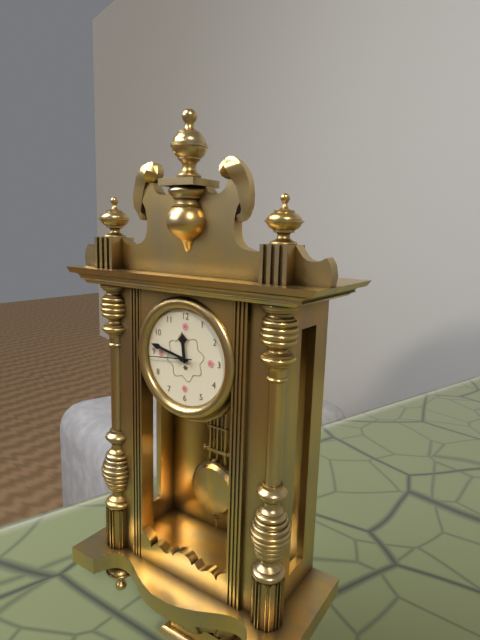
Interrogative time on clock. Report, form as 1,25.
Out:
11,47
